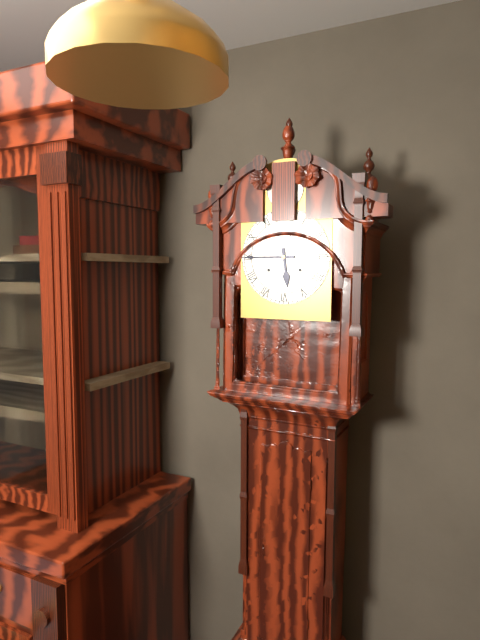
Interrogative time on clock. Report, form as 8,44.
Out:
5,45
